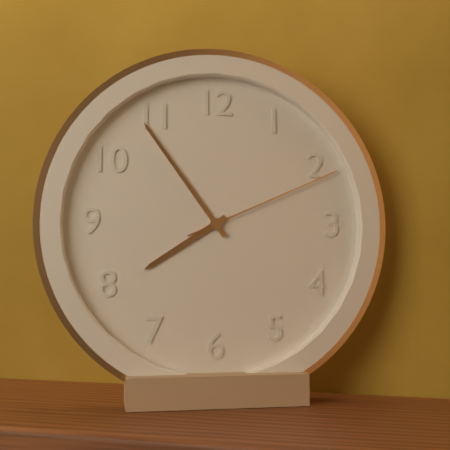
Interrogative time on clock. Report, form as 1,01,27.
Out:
7,54,11
